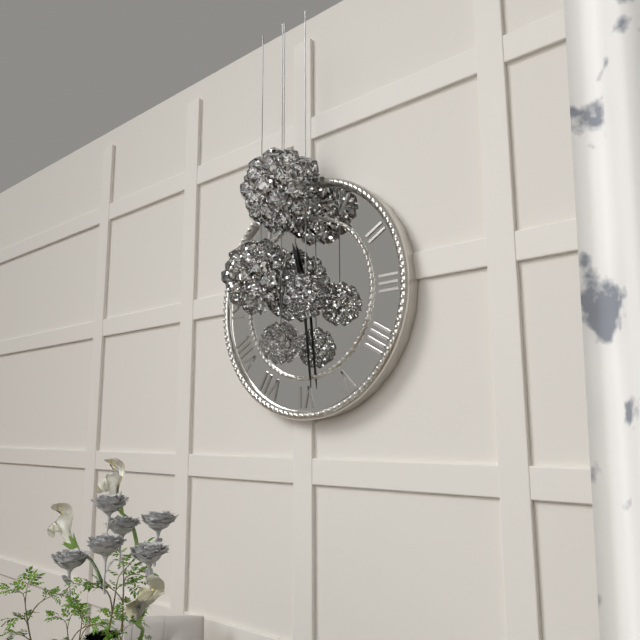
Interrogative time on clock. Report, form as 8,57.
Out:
11,29
